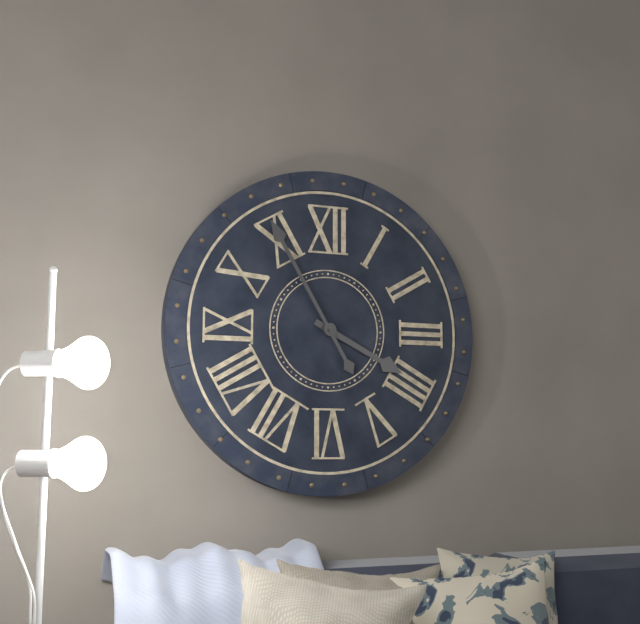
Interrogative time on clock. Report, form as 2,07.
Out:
3,55
